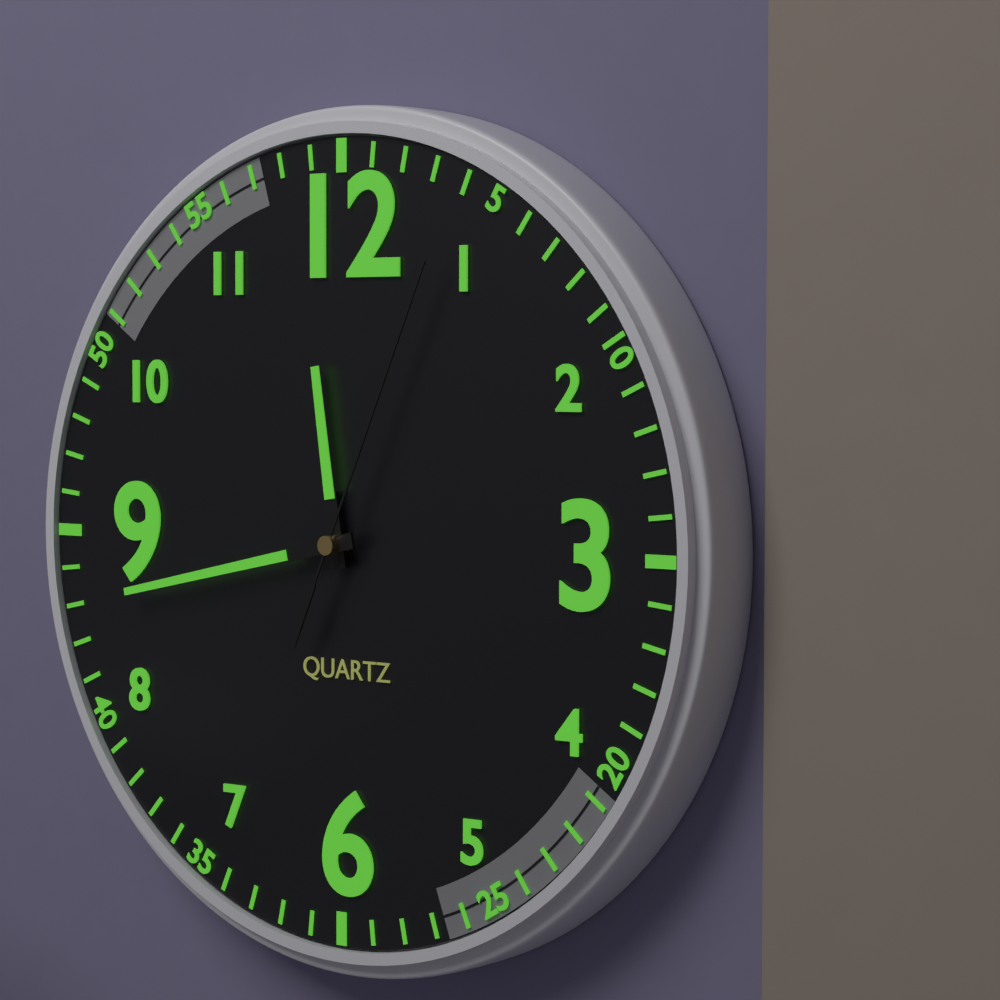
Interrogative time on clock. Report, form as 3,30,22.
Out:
11,43,04
